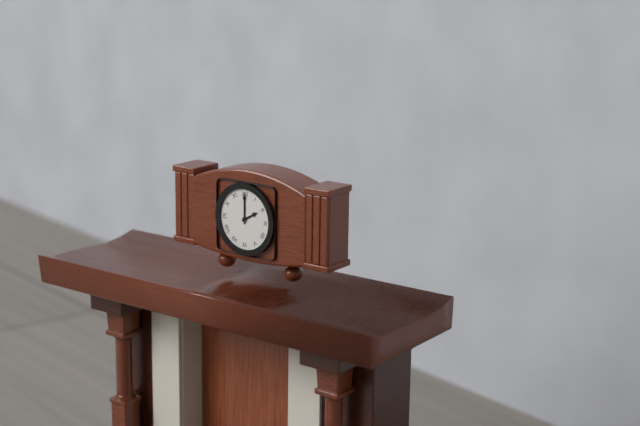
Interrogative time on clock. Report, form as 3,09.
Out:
2,00
